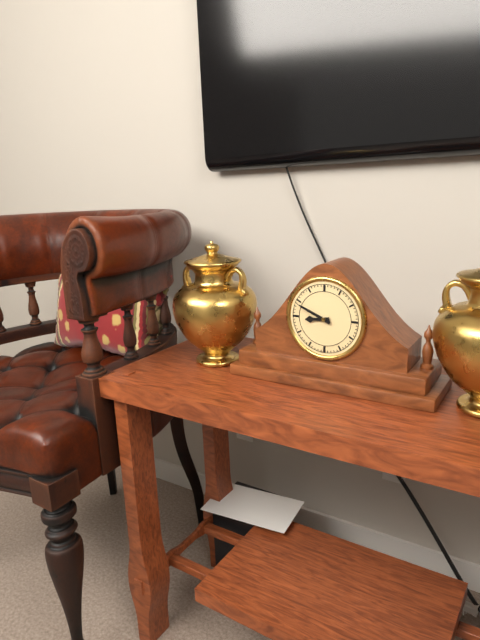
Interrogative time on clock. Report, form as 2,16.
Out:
8,49
